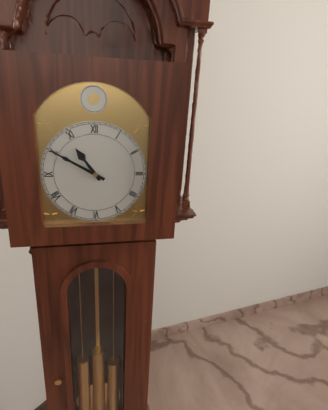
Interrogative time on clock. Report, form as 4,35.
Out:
10,50
